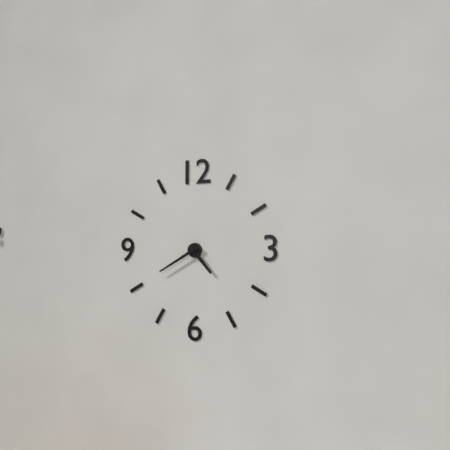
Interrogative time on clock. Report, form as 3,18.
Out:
4,40
